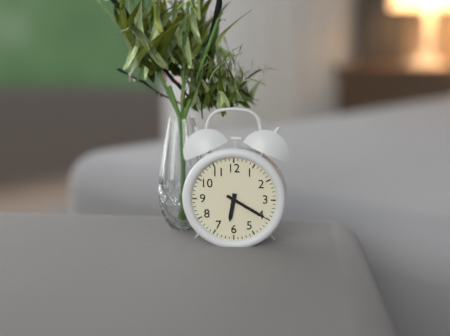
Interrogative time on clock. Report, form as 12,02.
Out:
6,20
